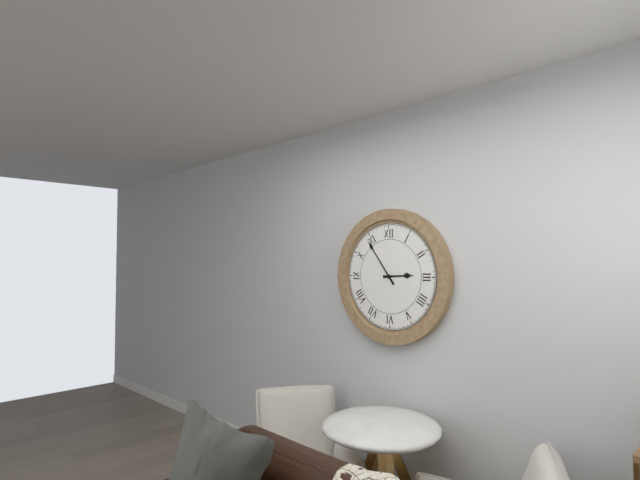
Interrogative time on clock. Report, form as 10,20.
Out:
2,54
